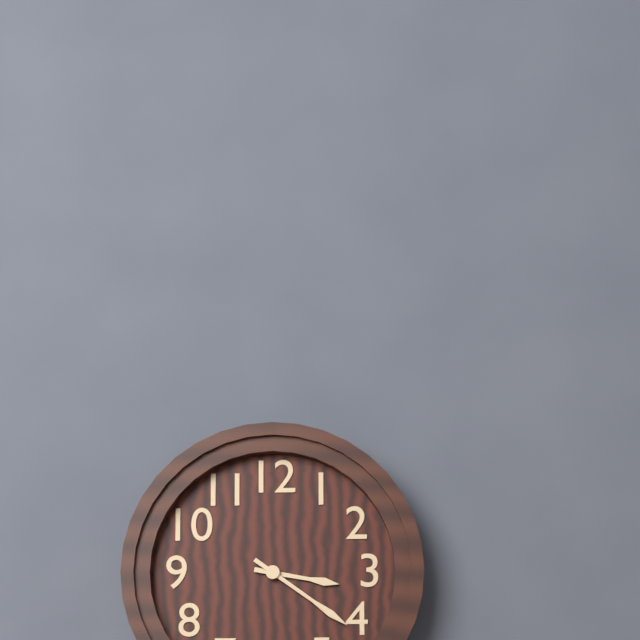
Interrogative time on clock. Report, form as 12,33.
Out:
3,21
